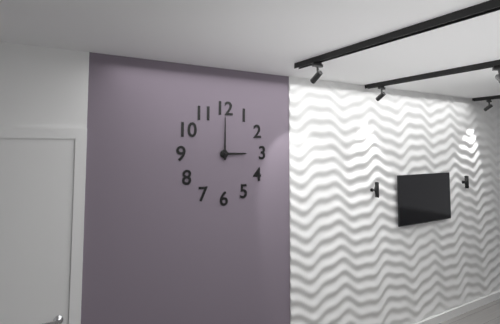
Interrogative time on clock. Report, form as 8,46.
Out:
3,00
